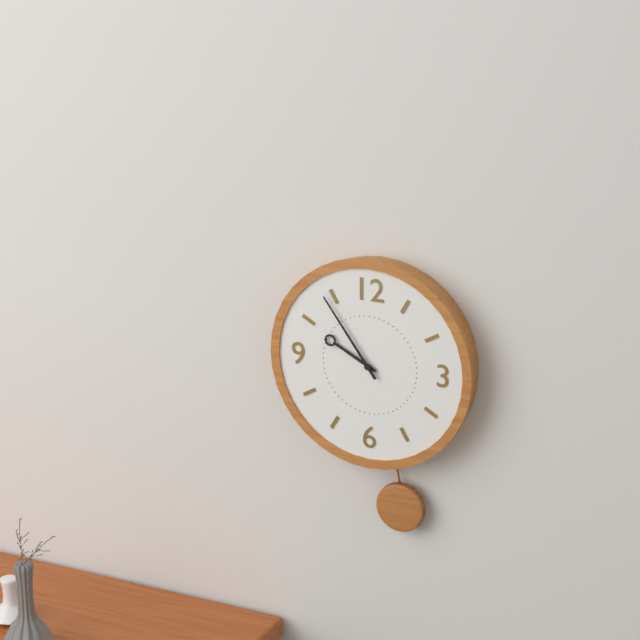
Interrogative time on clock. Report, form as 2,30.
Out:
9,54
